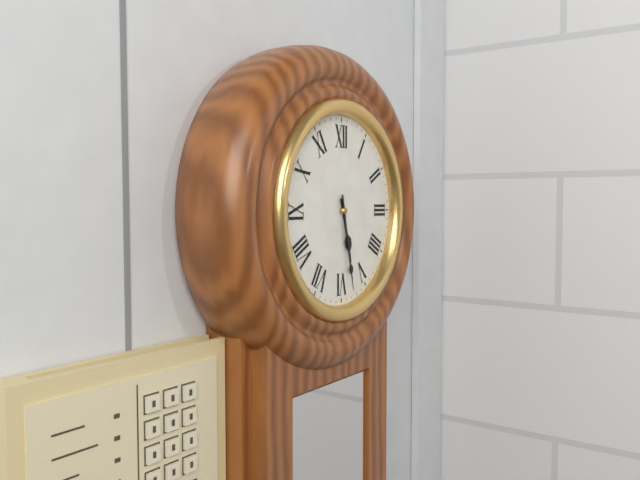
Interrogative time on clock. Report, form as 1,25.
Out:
5,28
